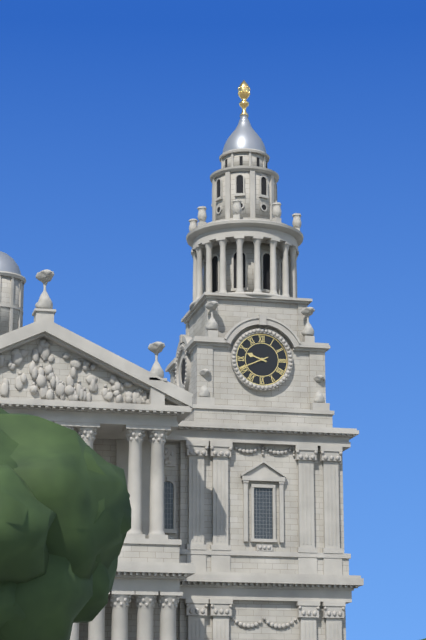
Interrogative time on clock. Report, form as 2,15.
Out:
9,41
